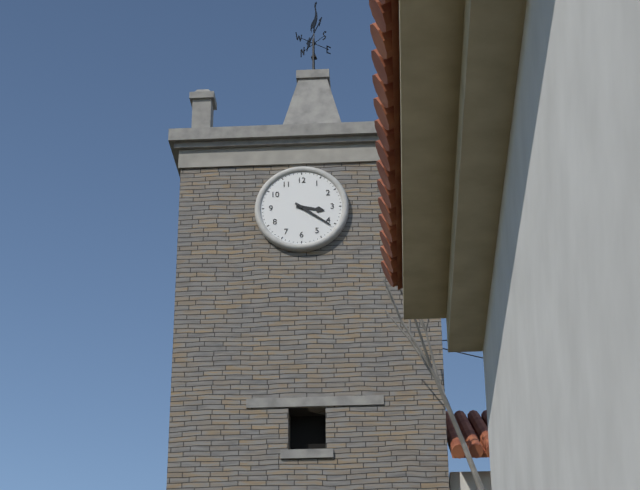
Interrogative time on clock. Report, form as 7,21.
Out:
3,21
